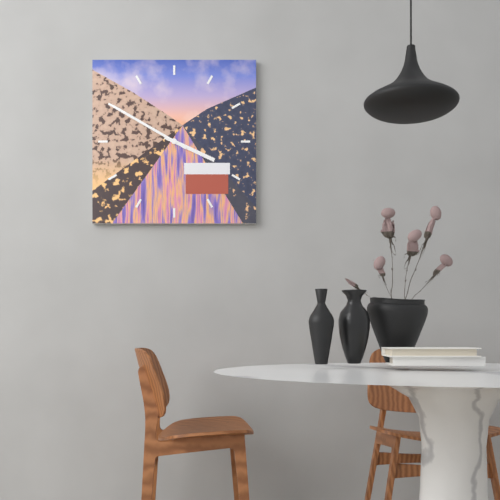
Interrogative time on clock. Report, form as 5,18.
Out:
3,50
